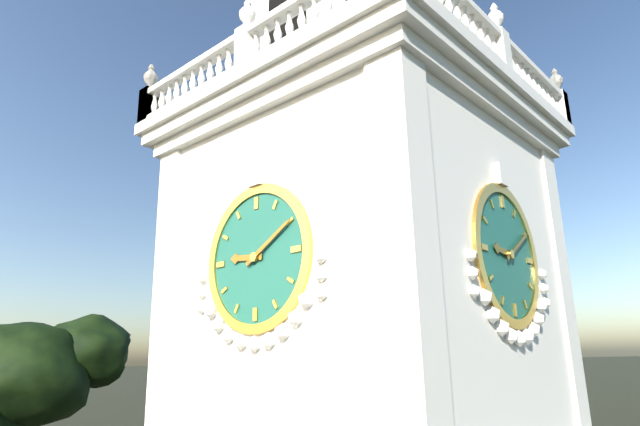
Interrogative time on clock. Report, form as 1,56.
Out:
9,10
